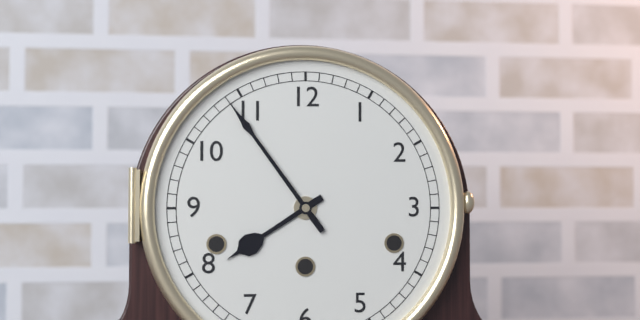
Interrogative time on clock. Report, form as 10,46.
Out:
7,54
